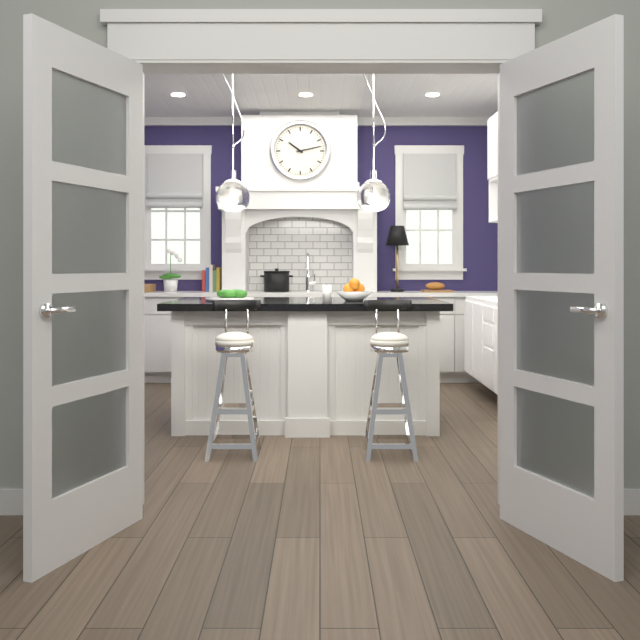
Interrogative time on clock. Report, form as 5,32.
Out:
10,13
